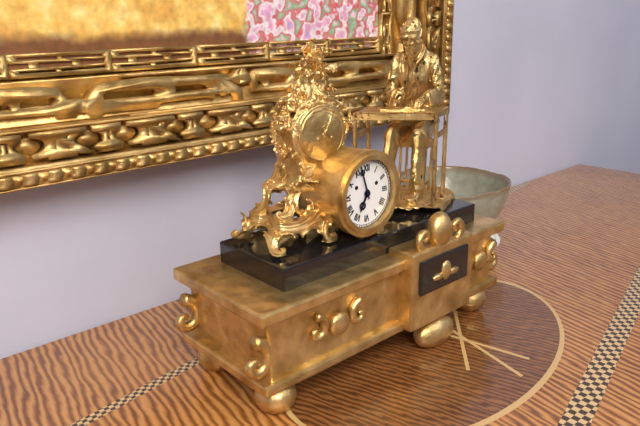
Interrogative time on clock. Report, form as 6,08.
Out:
6,57
